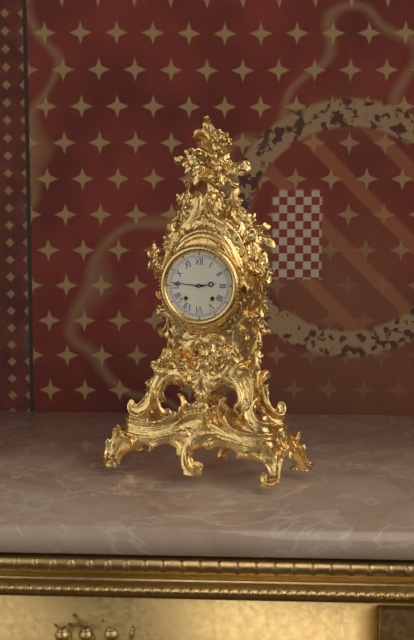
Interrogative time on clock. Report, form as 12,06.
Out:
2,46
